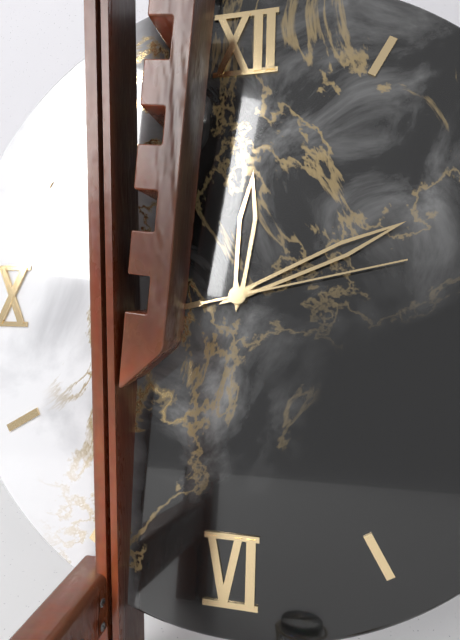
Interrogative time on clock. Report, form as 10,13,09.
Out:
12,11,13
